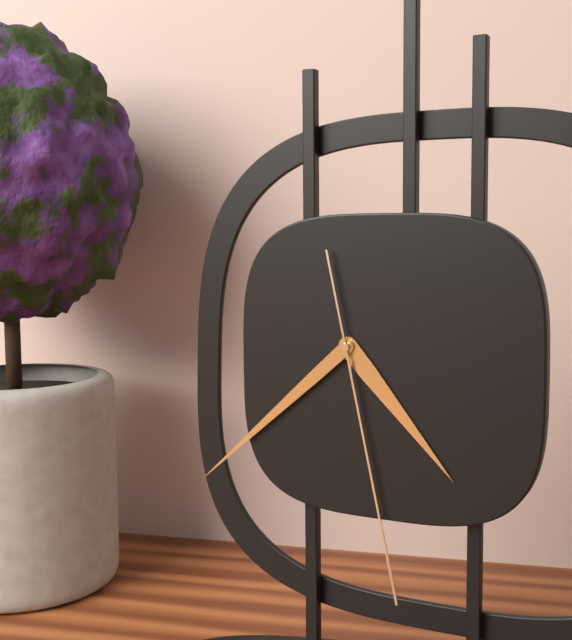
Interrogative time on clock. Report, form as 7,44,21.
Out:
4,38,28
